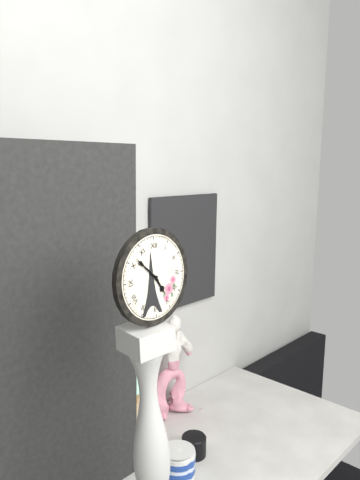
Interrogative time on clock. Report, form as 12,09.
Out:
4,52
